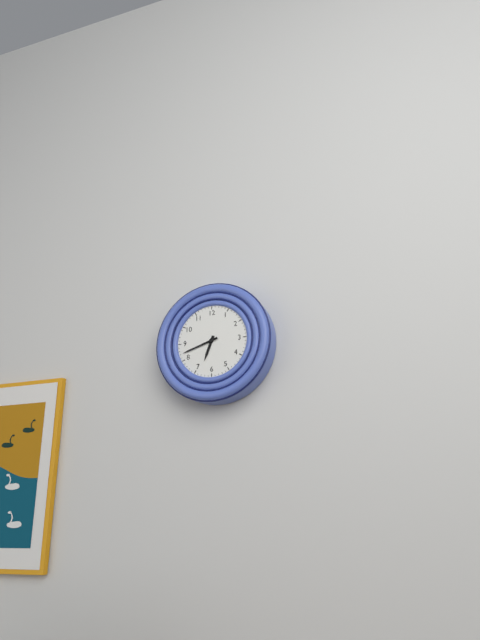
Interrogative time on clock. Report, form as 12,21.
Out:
6,42
